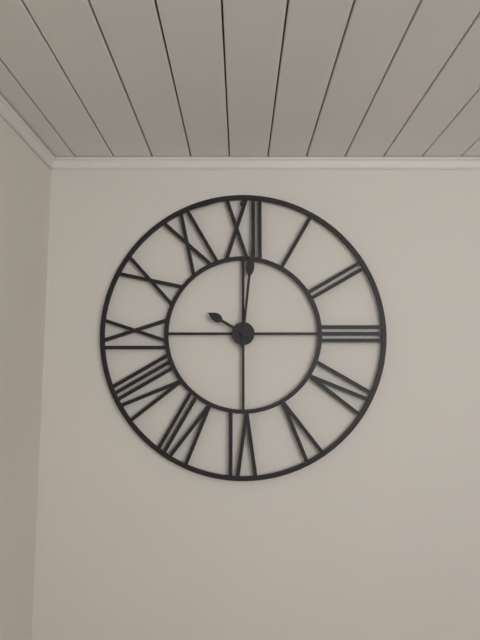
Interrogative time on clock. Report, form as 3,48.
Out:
10,01
